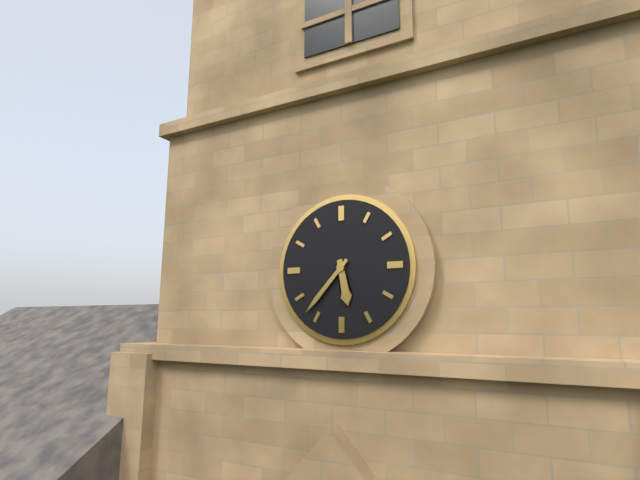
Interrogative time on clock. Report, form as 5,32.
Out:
5,37
